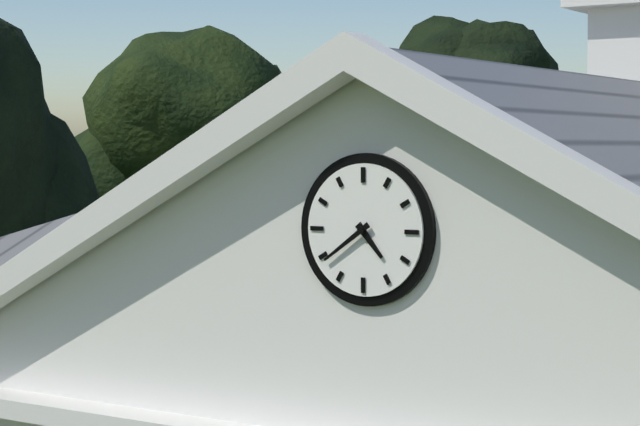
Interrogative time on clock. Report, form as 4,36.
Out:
4,39
